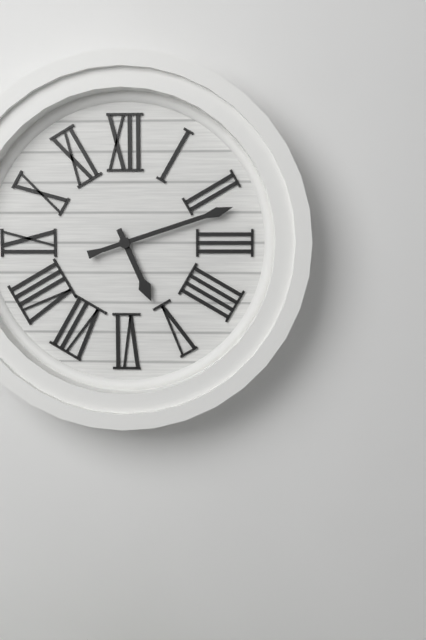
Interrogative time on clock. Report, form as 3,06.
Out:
5,12
